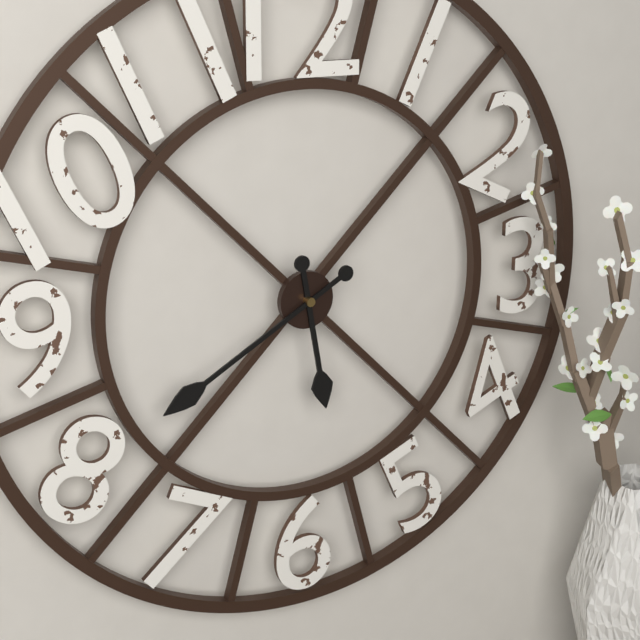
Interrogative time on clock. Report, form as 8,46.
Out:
5,40
